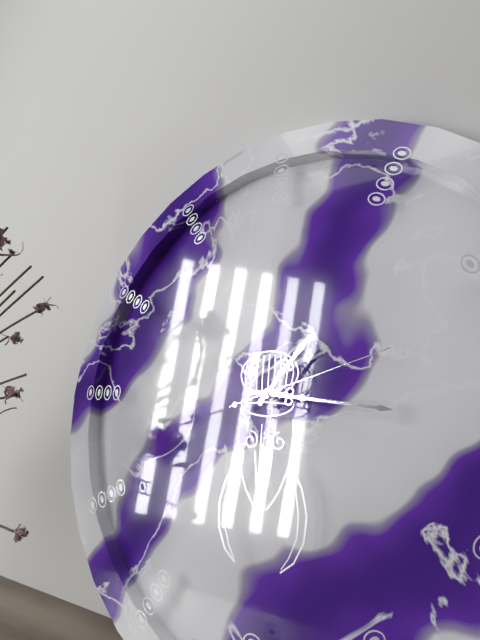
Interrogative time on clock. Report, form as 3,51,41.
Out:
1,16,12
